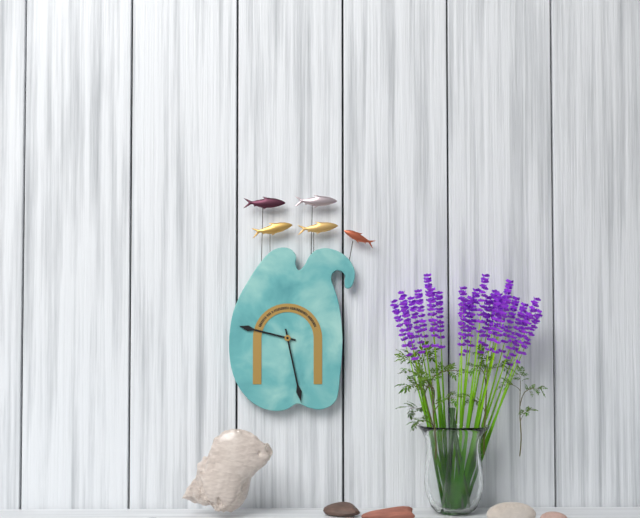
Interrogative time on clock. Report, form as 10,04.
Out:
9,28
